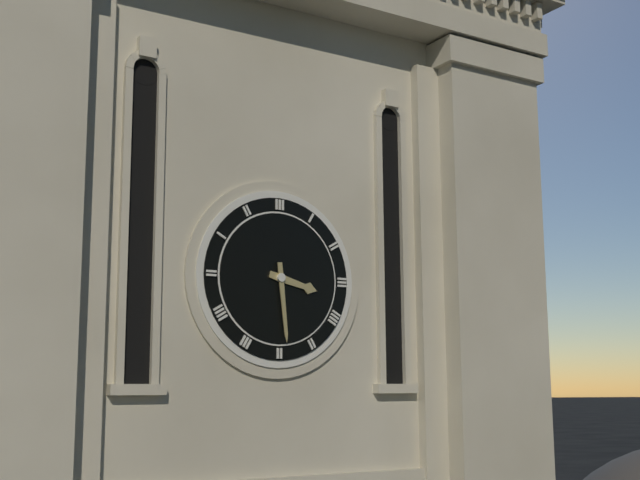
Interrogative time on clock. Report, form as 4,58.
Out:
3,29
